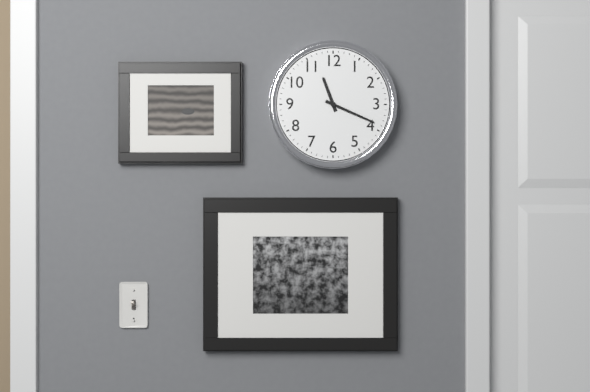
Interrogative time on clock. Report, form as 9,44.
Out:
11,19
